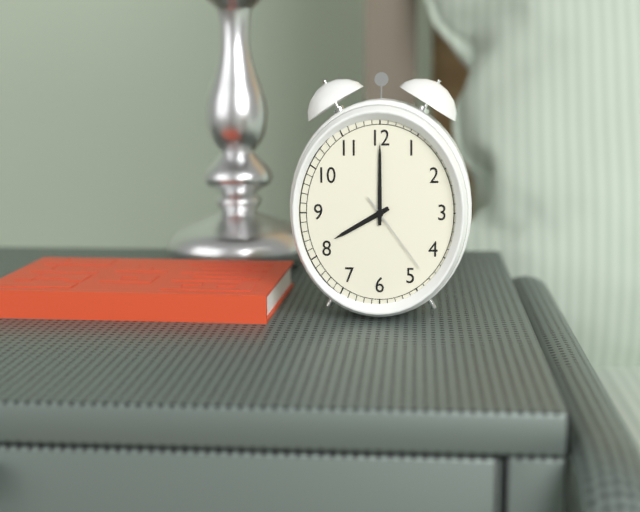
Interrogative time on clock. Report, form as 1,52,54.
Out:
8,00,24
